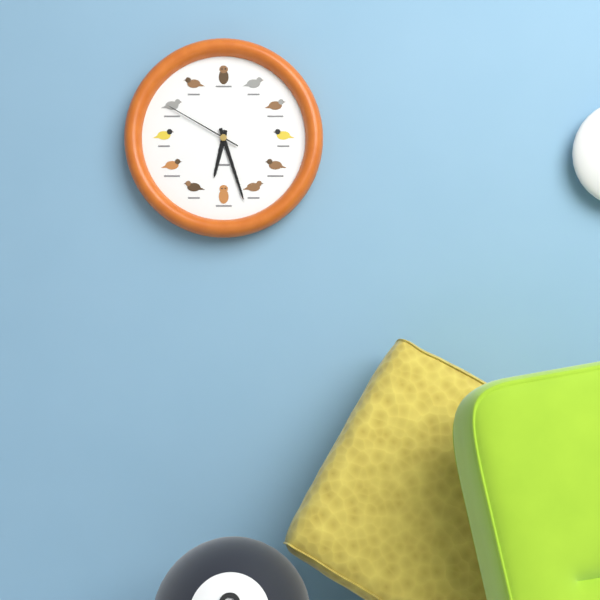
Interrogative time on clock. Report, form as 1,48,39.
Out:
6,27,50
